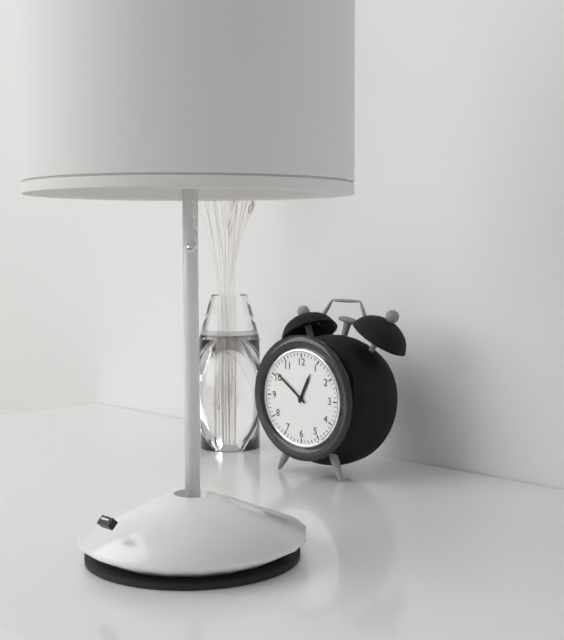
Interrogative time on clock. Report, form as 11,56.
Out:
12,51
